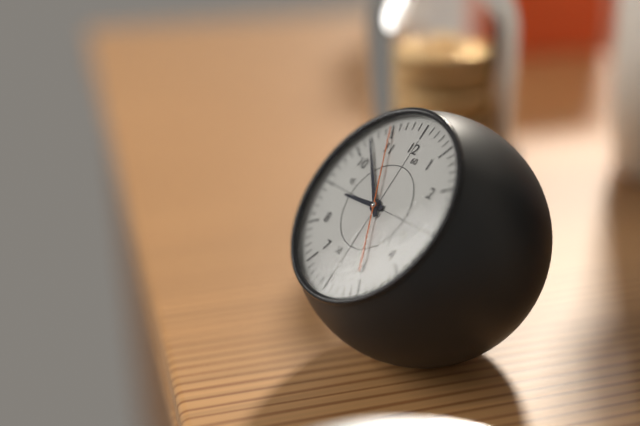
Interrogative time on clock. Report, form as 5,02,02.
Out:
8,52,55
